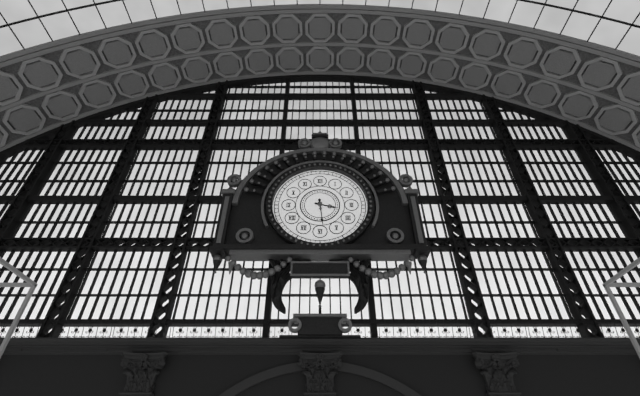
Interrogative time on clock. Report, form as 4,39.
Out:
3,29
